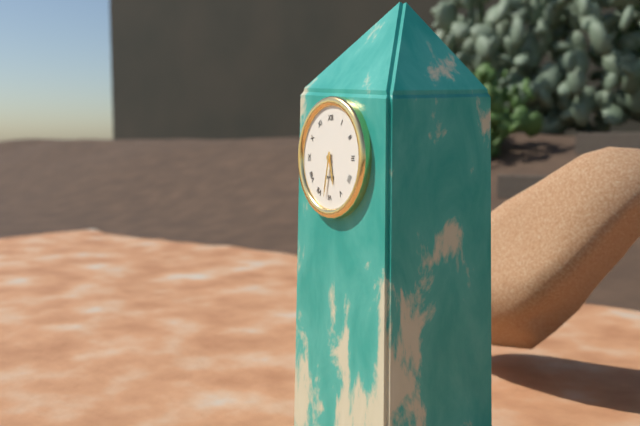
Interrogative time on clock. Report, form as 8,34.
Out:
5,32
